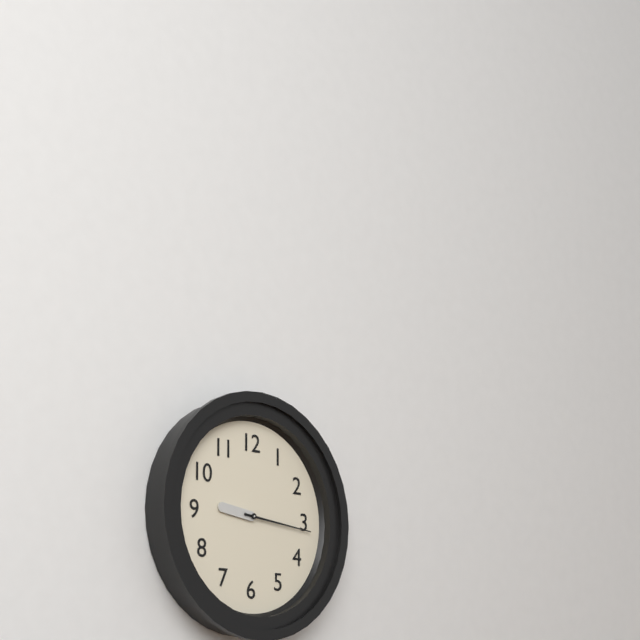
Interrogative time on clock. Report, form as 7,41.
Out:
9,16
